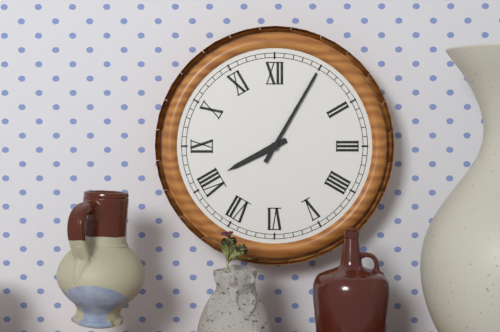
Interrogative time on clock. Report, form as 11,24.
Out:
8,05
